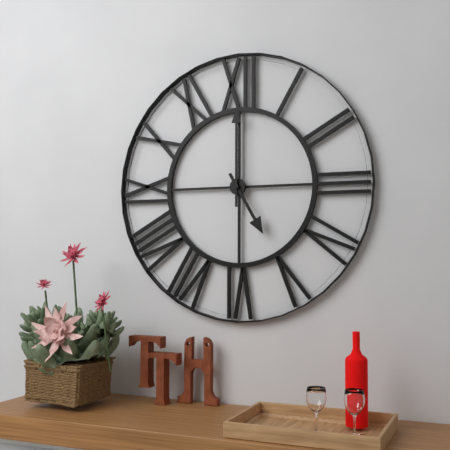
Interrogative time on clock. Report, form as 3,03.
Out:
5,00
